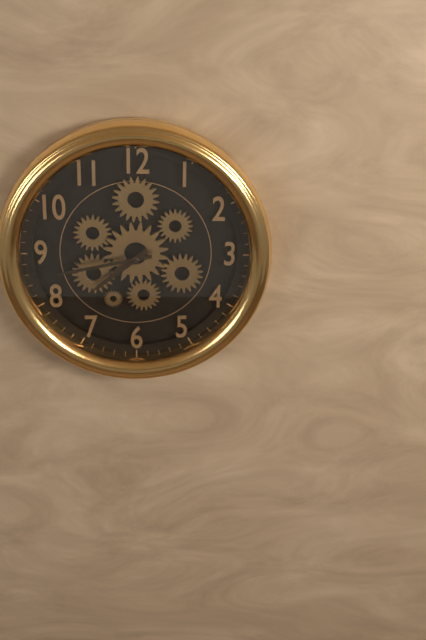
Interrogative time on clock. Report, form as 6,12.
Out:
7,43
